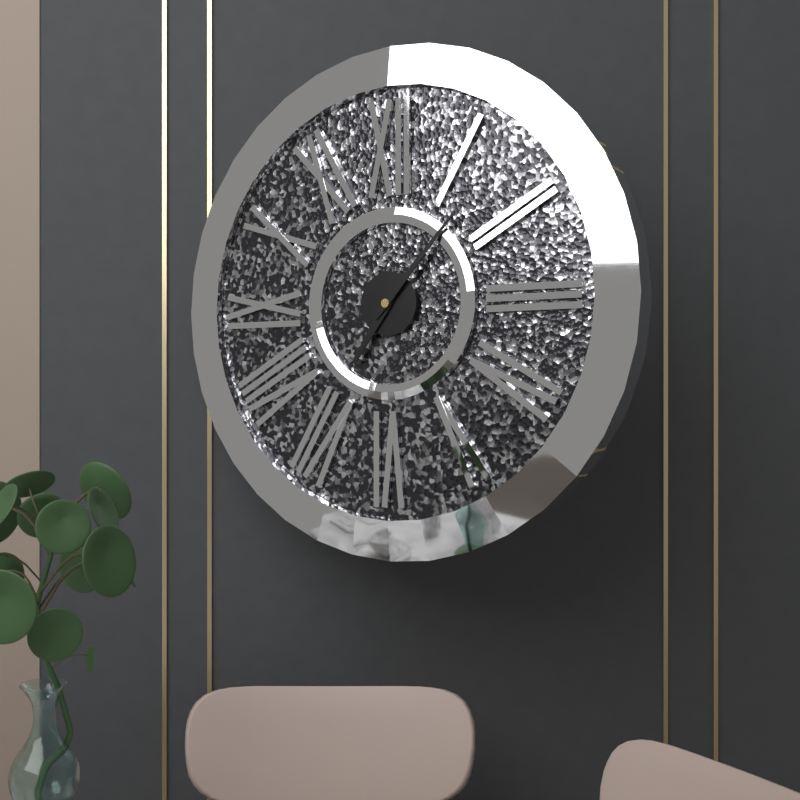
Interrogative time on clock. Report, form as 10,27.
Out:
7,07
